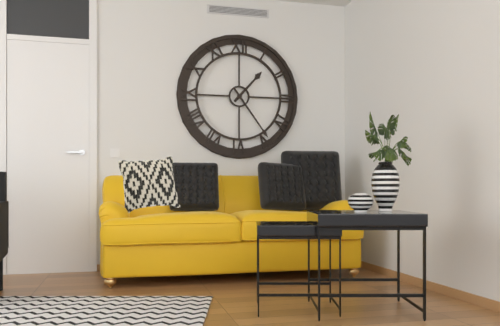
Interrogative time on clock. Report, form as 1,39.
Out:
1,24
